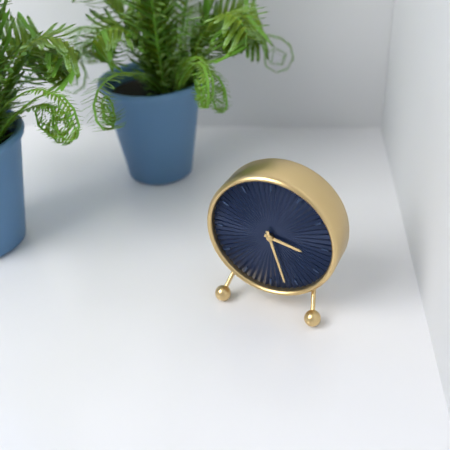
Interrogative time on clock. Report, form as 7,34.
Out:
3,27
